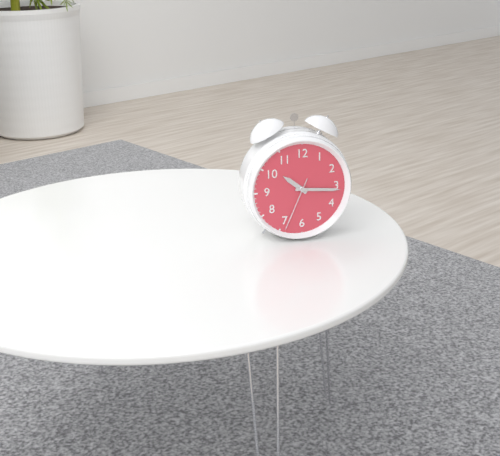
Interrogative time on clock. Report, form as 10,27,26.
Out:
10,16,34
